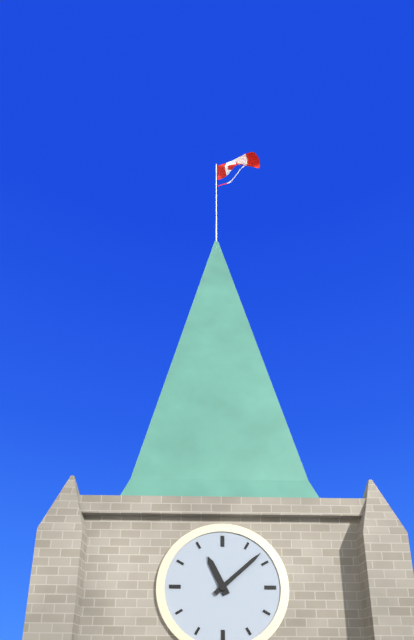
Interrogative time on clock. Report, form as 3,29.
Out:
11,08
